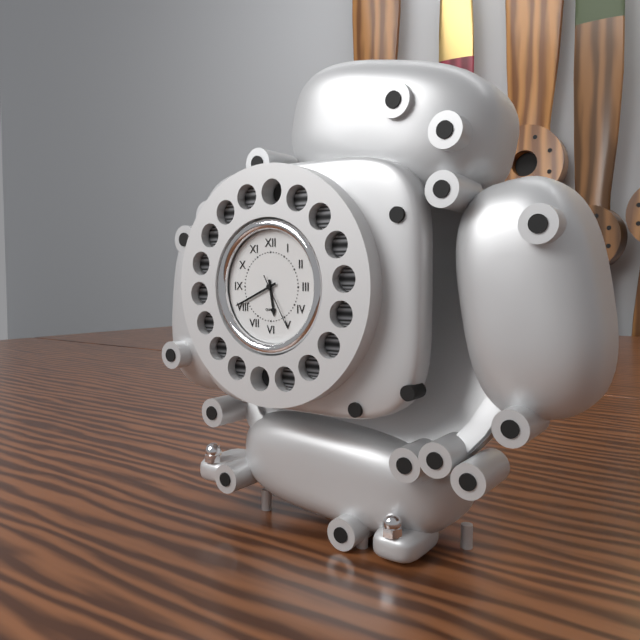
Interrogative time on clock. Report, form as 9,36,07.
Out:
5,41,25
